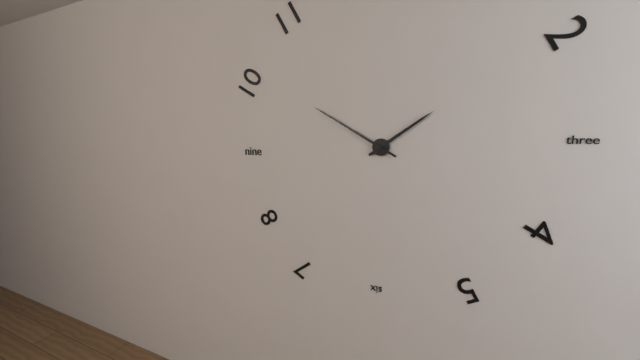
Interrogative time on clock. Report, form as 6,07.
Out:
1,50
